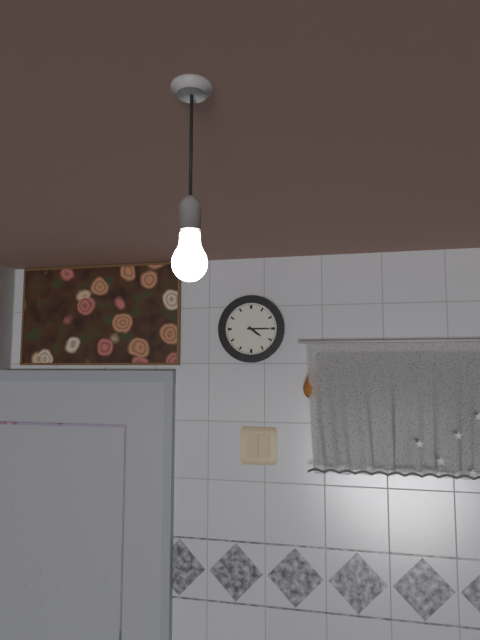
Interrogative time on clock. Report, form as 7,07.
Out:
4,15
